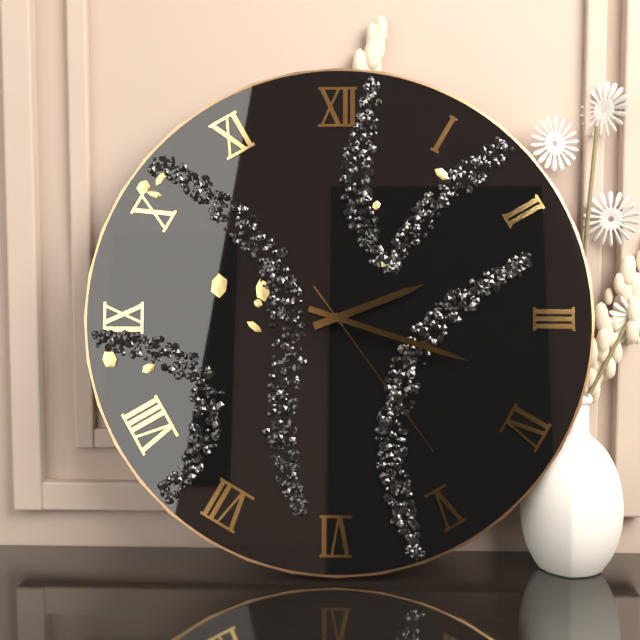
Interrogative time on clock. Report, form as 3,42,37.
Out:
2,18,24
